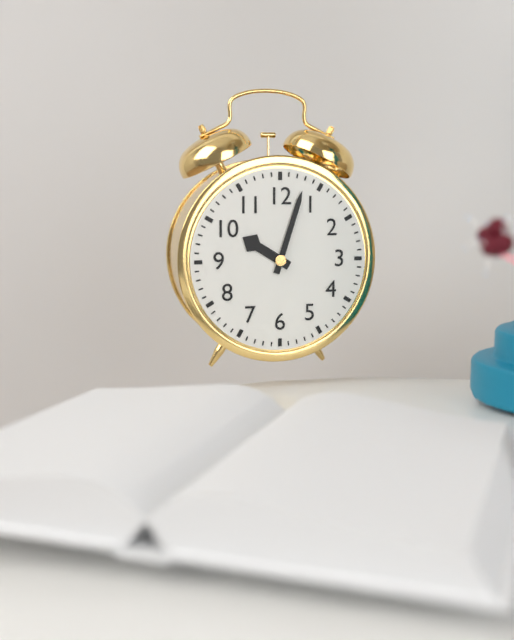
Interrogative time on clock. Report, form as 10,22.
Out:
10,03
